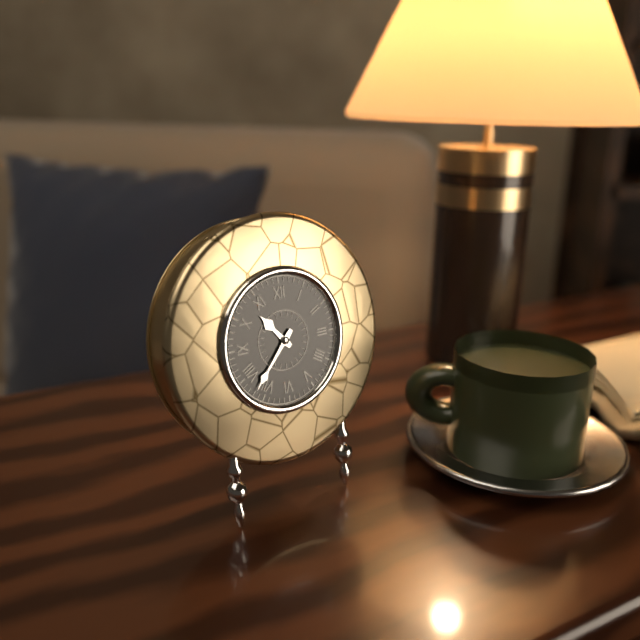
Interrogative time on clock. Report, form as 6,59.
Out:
10,37
